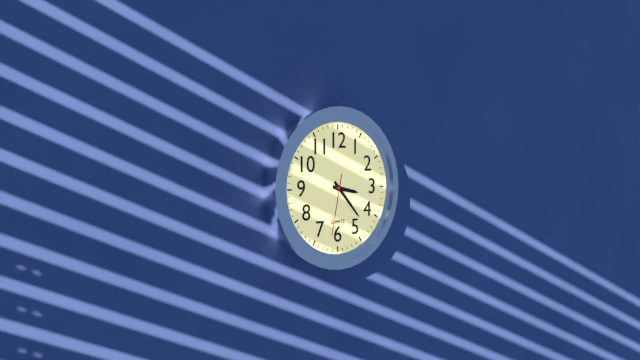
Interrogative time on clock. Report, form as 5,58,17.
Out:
3,23,32
